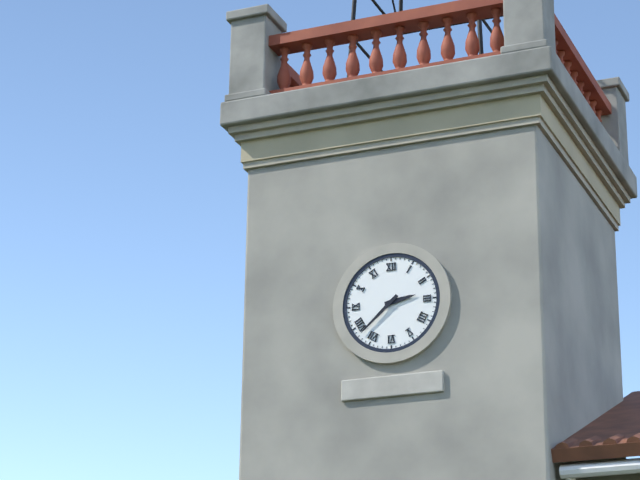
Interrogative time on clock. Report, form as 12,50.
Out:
2,38
